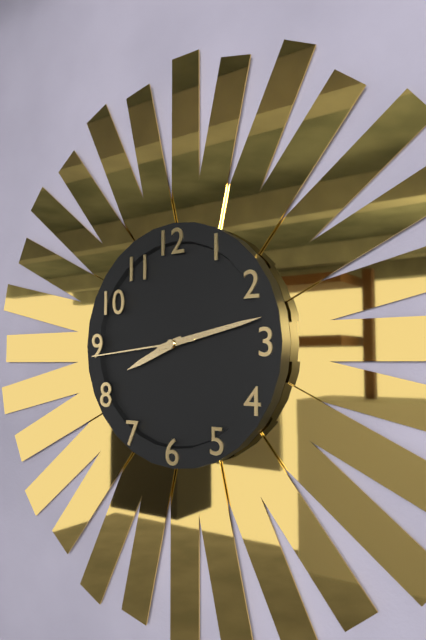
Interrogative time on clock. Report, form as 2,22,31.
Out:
8,13,44
